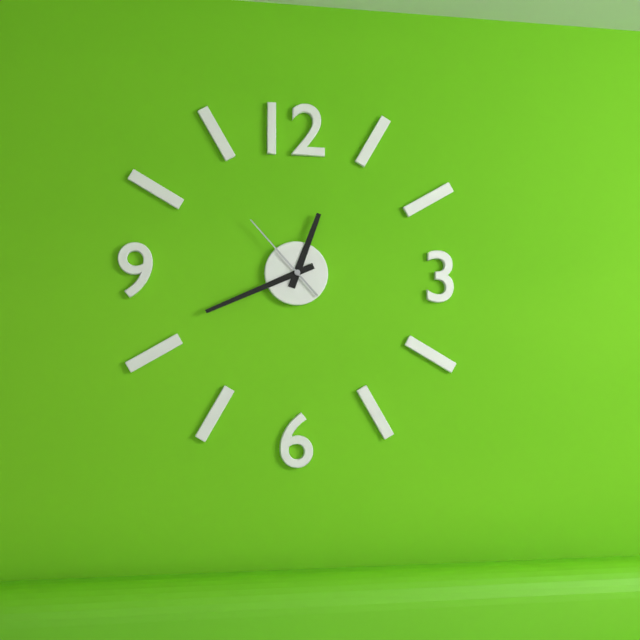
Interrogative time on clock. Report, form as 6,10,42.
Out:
12,41,53
